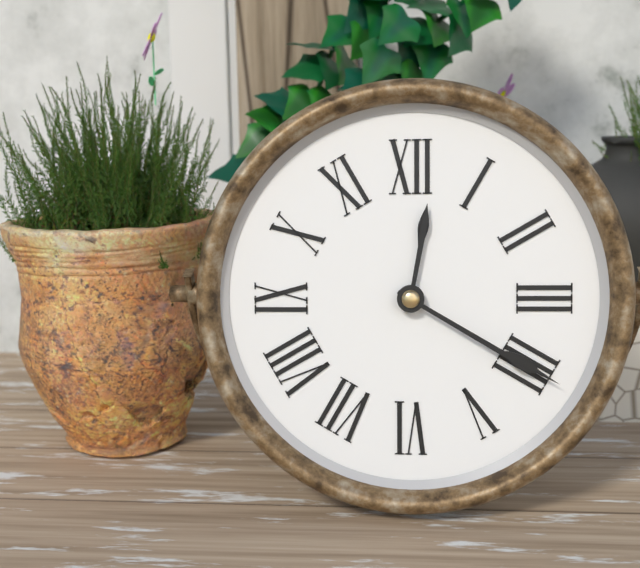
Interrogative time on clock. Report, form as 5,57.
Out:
12,20
